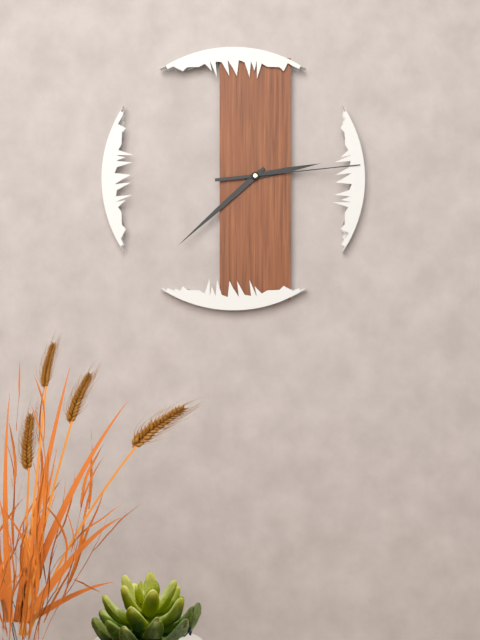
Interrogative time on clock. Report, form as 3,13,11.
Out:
2,38,14
